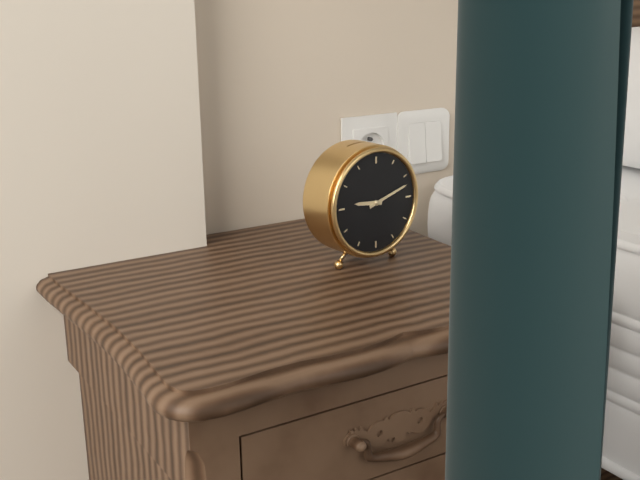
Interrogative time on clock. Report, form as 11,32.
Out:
9,12
